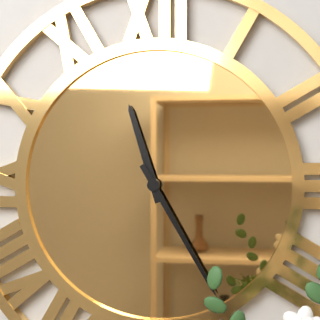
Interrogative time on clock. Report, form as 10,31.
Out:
11,25
